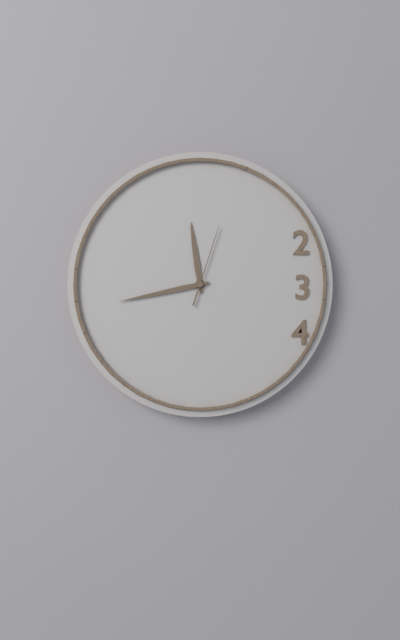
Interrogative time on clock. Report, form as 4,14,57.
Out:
11,43,03
